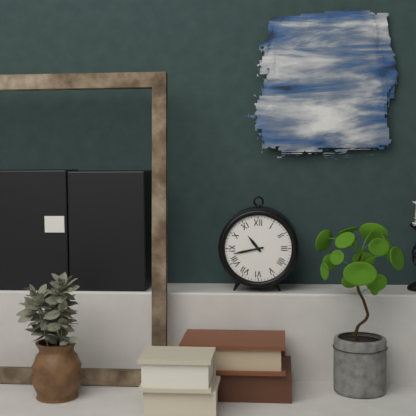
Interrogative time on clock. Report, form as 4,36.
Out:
10,43
